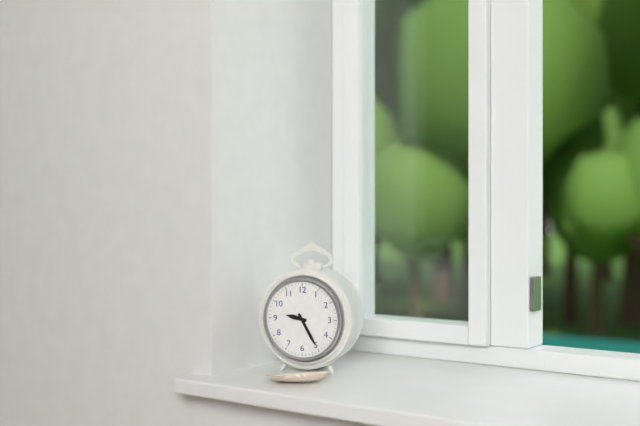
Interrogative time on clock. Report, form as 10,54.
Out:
9,25
